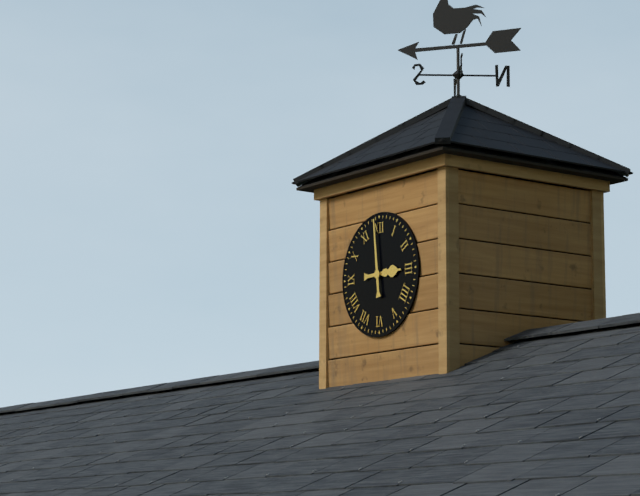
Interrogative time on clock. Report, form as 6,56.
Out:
2,59
